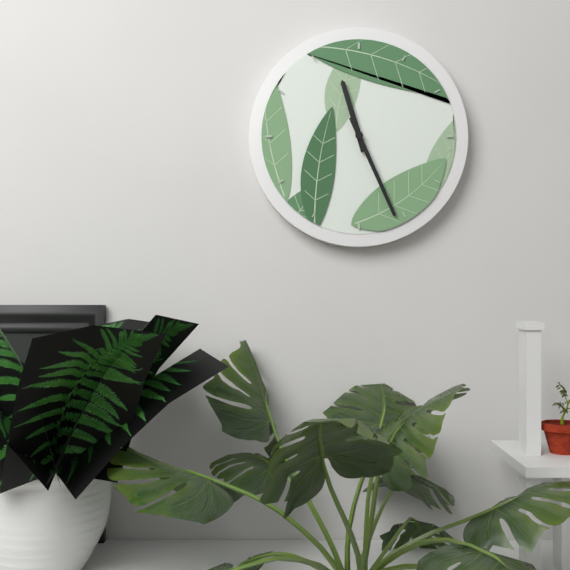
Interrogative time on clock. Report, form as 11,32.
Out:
11,26
